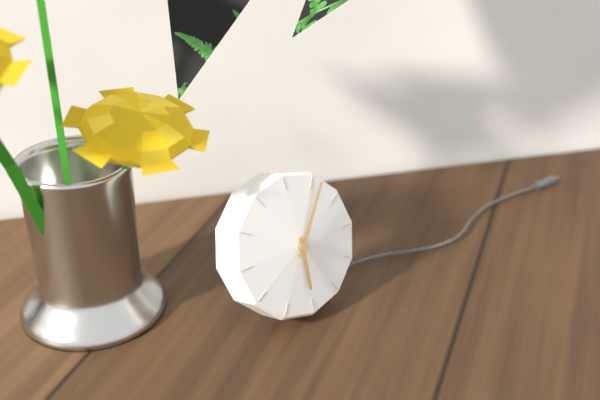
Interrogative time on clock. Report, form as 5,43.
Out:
6,06
